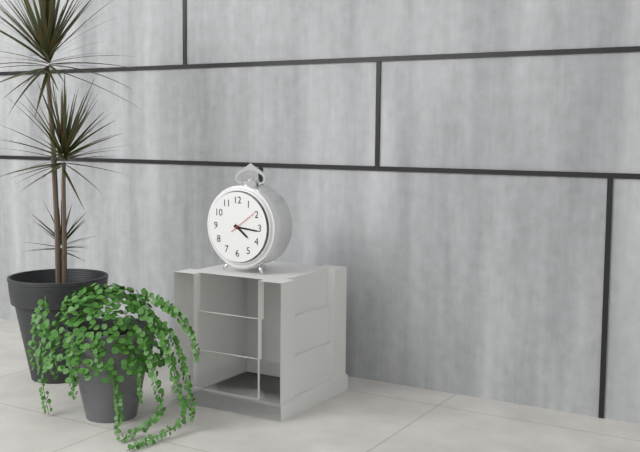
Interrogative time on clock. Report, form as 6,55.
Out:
4,16
